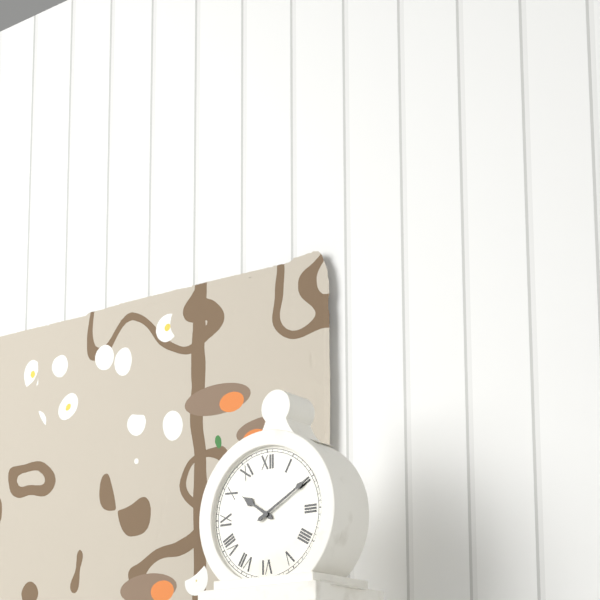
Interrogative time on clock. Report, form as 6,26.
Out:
10,10
